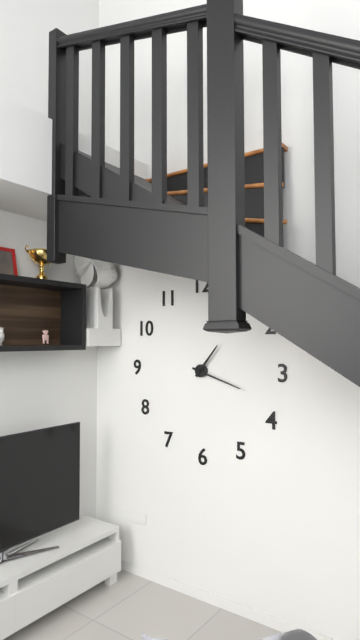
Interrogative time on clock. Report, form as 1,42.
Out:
1,18
